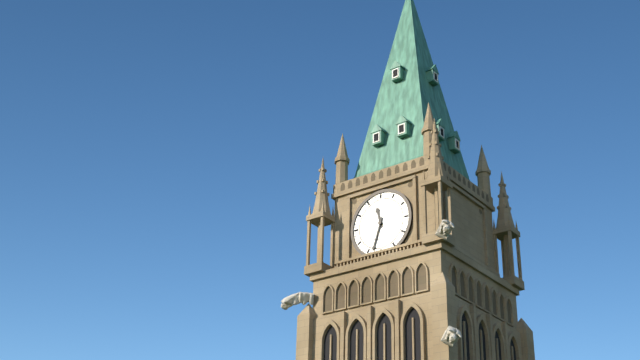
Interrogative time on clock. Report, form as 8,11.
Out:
11,33
